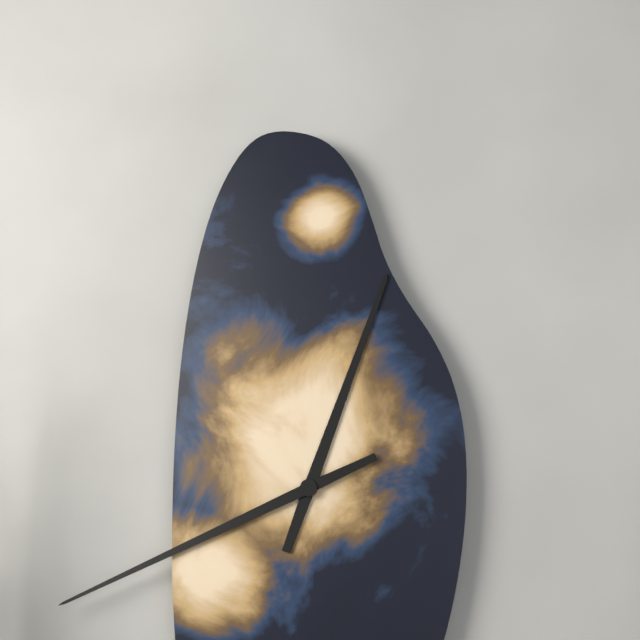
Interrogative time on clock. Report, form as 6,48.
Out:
12,41
